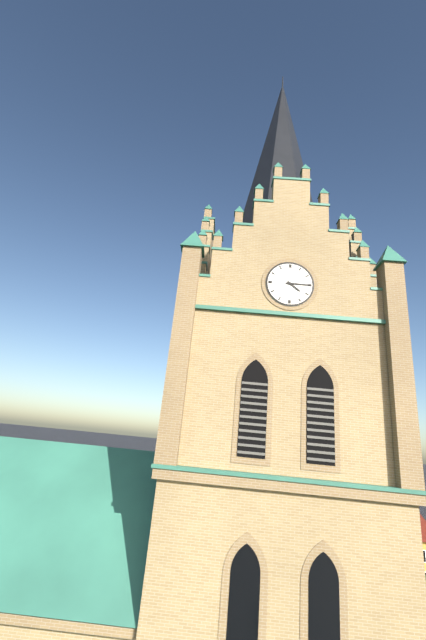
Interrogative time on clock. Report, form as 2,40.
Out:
4,15
